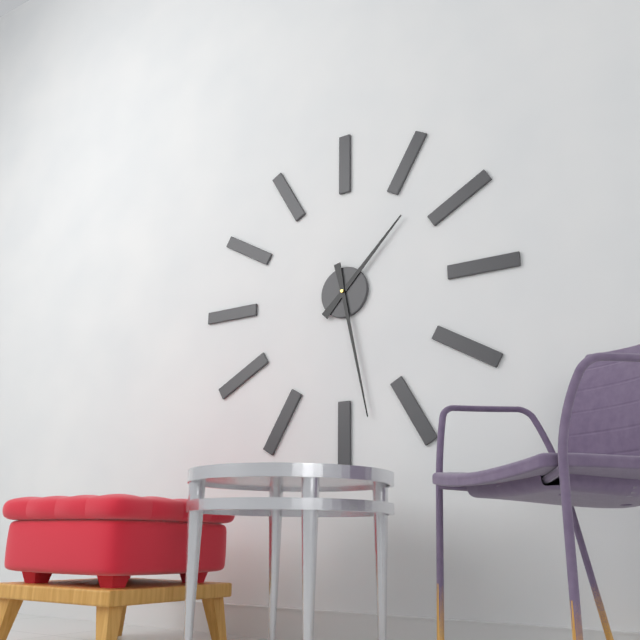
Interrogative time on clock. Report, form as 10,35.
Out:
1,28
